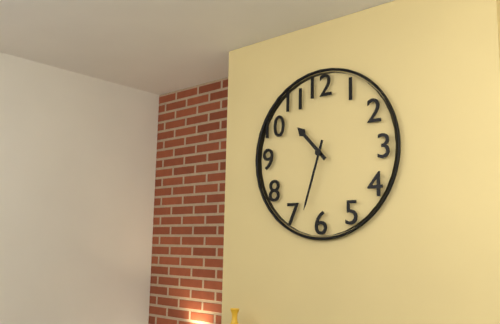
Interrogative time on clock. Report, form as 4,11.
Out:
10,33
